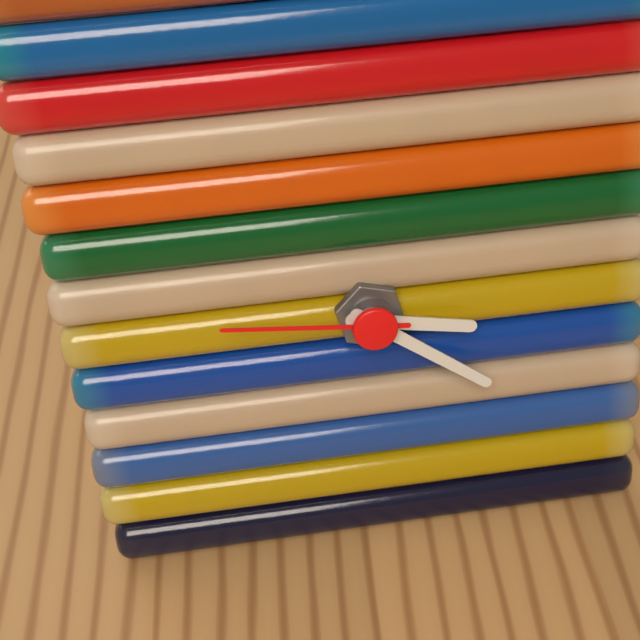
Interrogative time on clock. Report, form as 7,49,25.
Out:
3,21,46
